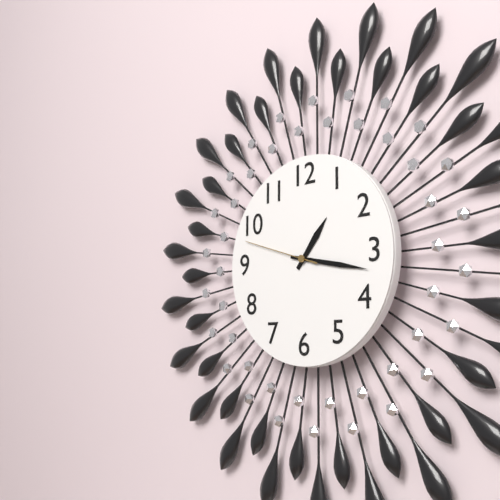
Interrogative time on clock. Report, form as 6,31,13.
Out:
1,17,48
